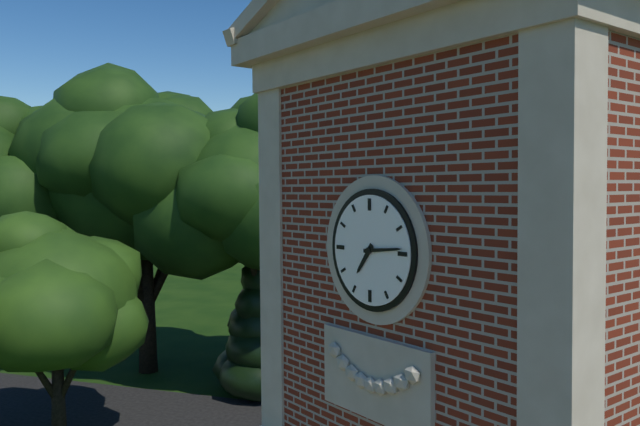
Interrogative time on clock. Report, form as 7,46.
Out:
7,14
